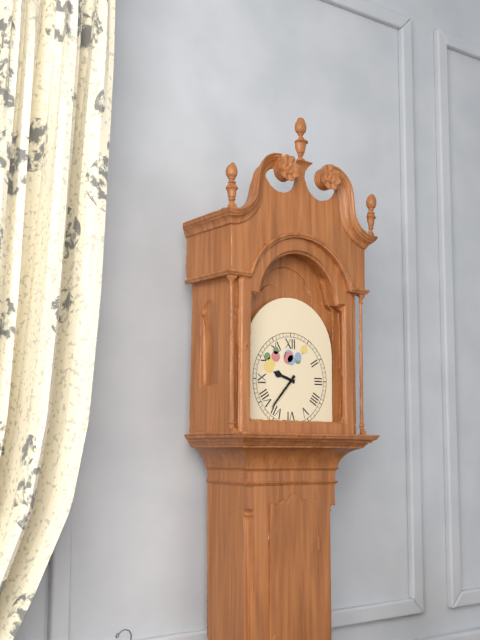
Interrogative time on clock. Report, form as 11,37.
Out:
9,37
